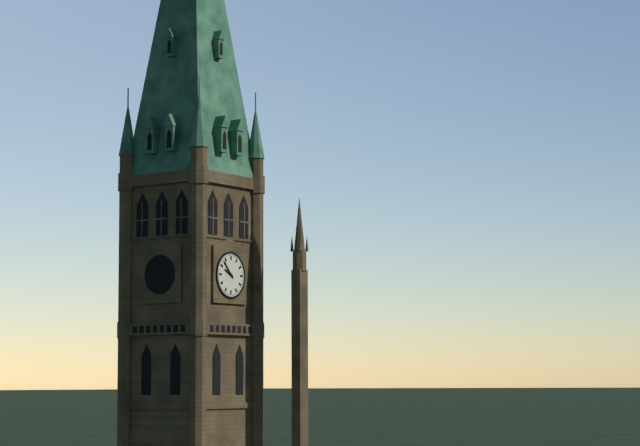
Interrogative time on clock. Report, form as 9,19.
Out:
9,53
